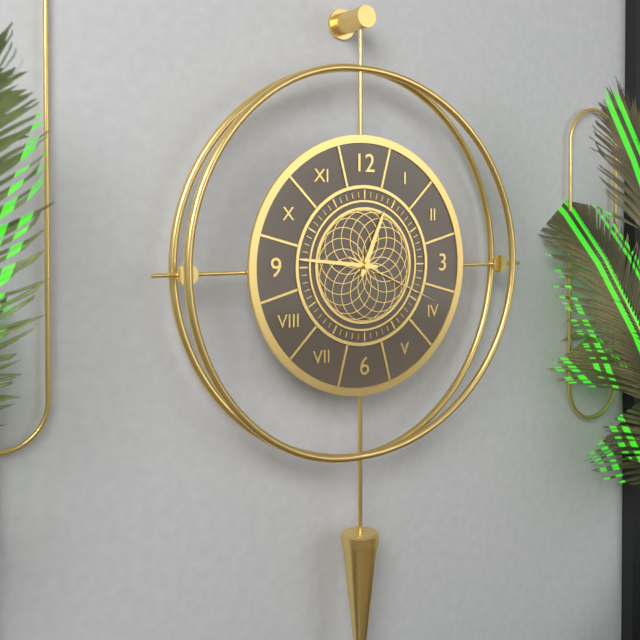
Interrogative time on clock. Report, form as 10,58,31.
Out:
12,46,19
